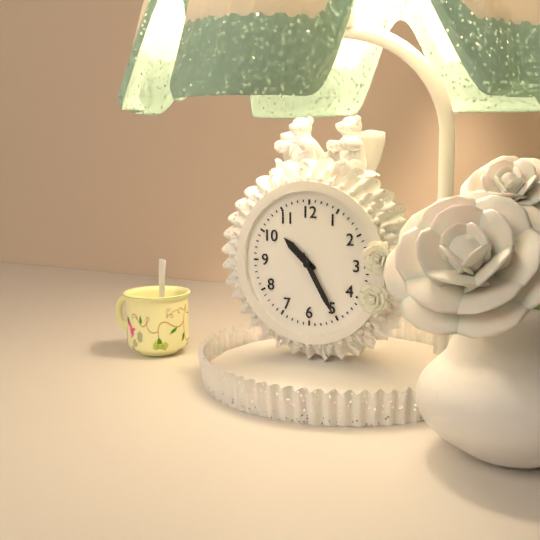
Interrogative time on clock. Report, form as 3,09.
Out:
10,25
